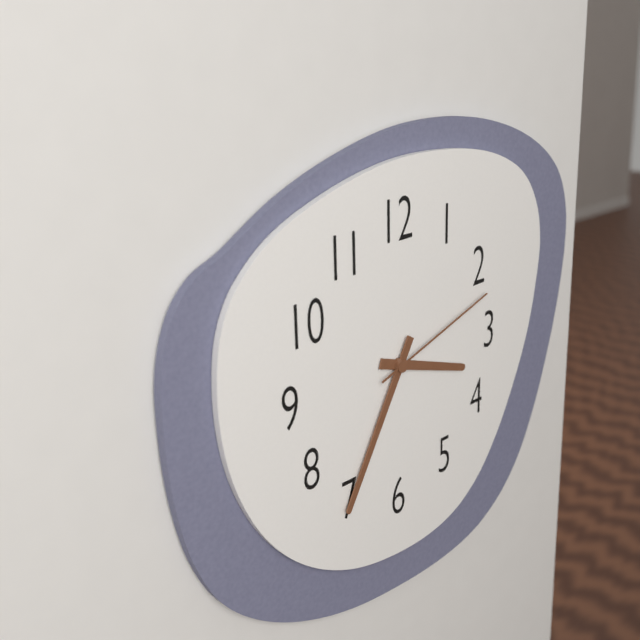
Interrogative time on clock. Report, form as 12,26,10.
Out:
3,35,12
